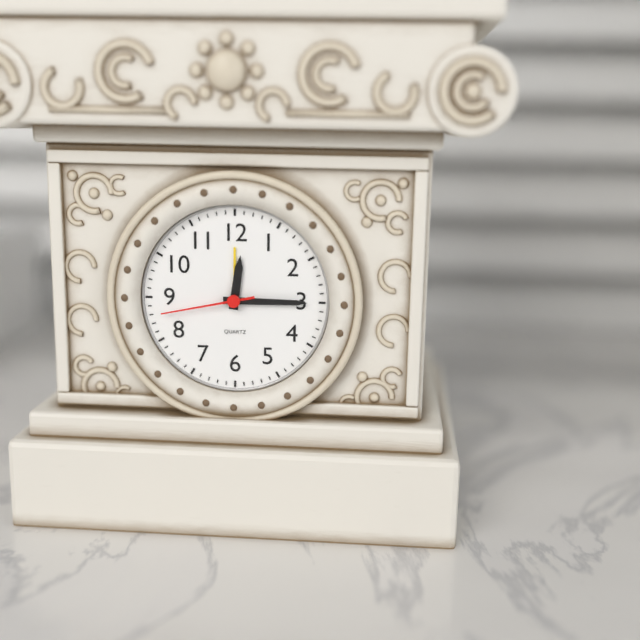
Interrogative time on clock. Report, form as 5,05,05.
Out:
12,15,43
